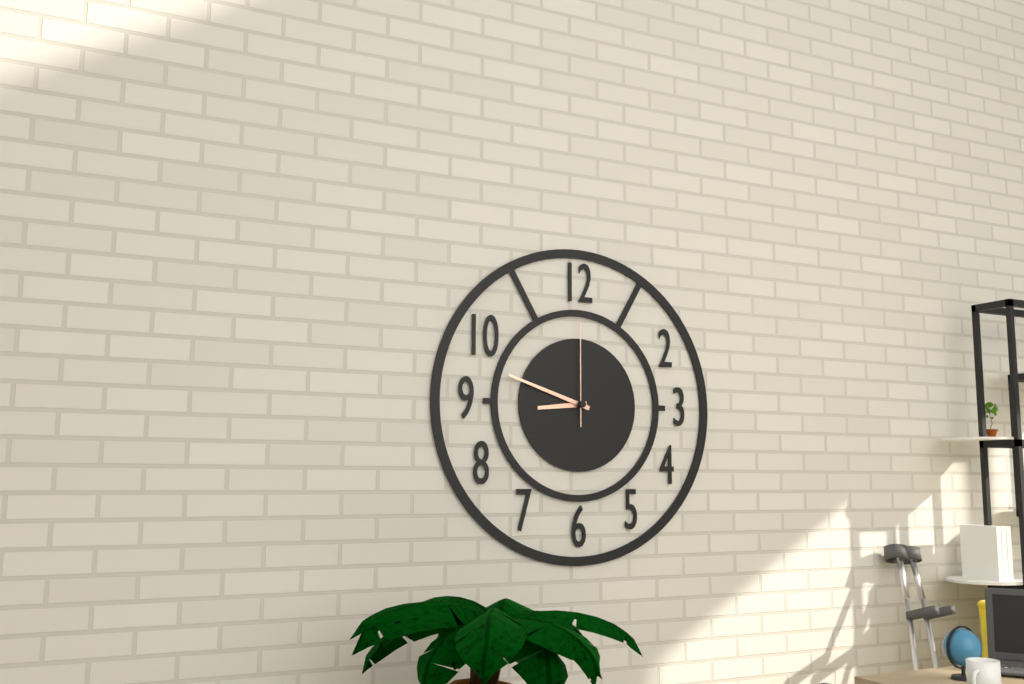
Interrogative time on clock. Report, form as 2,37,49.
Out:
8,48,00
